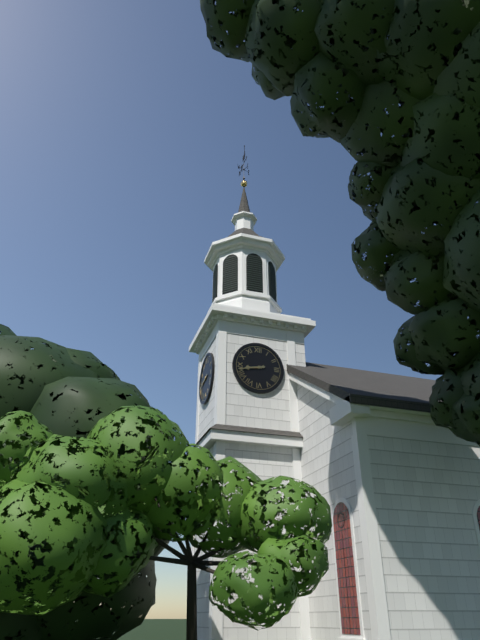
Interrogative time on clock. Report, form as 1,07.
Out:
8,43
